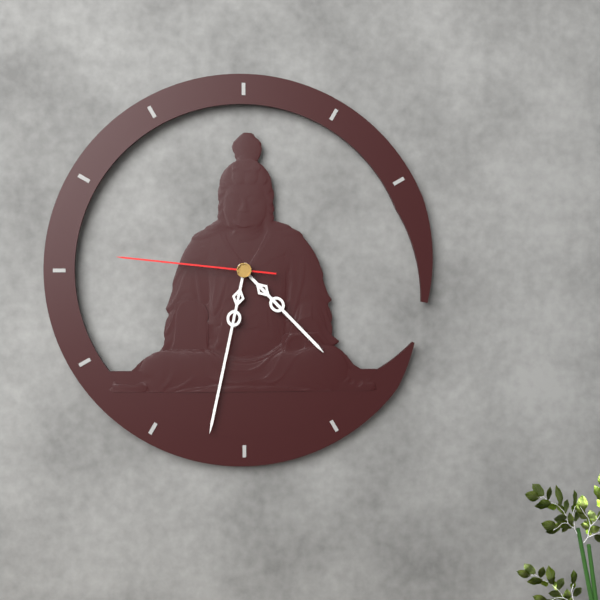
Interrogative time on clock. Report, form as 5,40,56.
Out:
4,32,46
